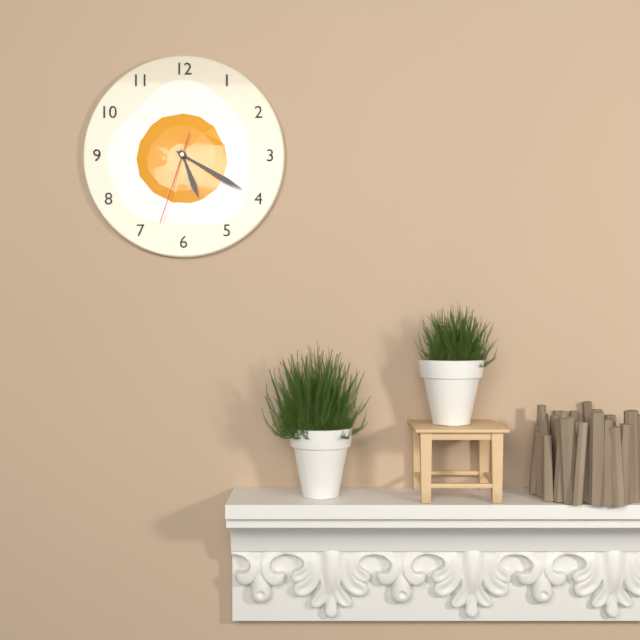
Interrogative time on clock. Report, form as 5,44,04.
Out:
5,20,33
